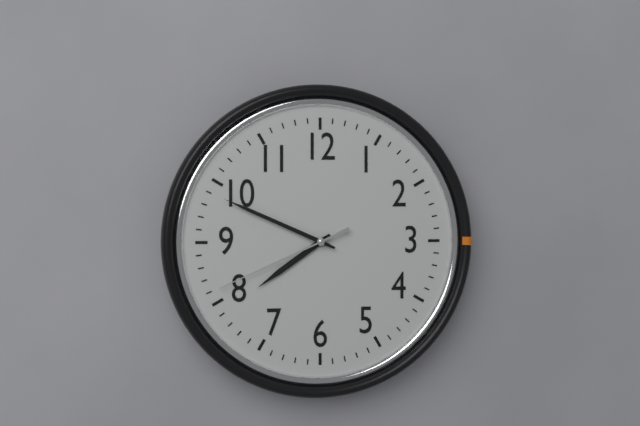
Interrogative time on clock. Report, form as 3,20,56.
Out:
7,49,41
